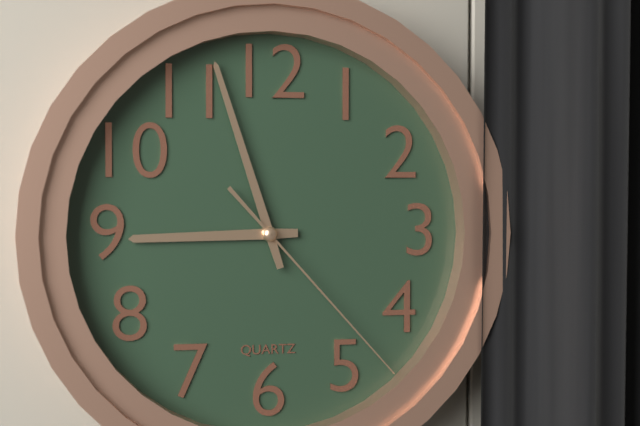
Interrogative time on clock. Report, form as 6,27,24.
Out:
8,57,23
